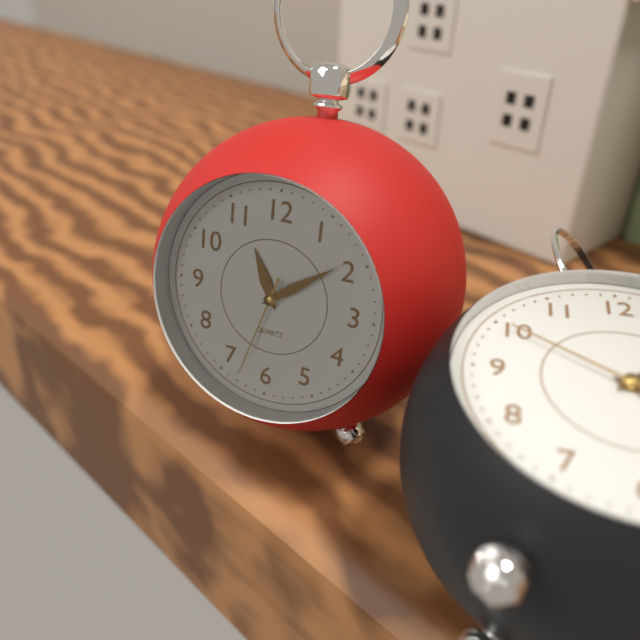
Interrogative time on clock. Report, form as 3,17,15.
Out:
11,09,33
